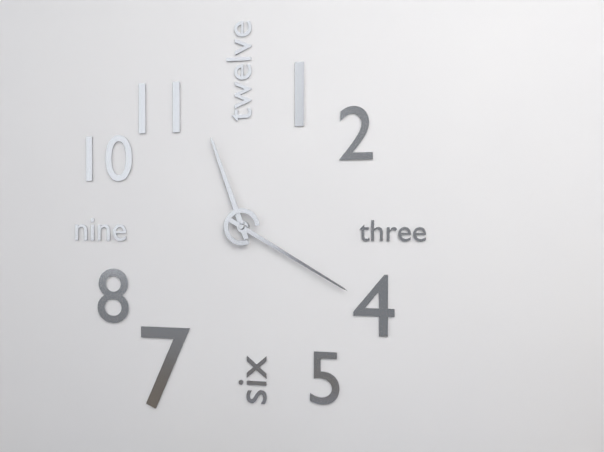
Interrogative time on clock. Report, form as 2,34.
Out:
11,20
